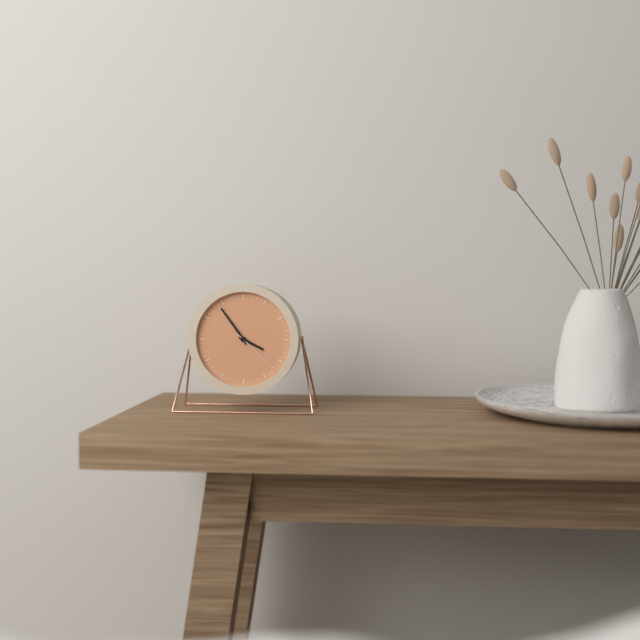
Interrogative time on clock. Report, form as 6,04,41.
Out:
3,54,22
